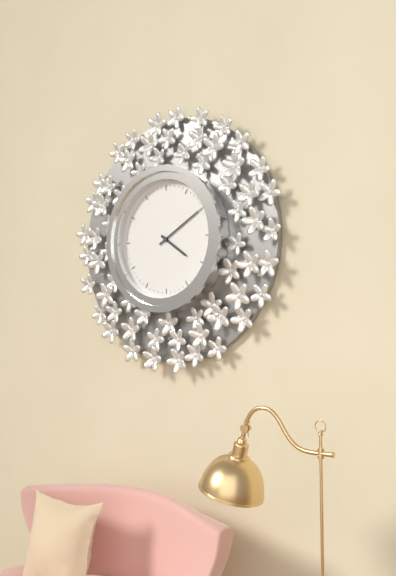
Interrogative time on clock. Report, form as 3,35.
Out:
4,10
